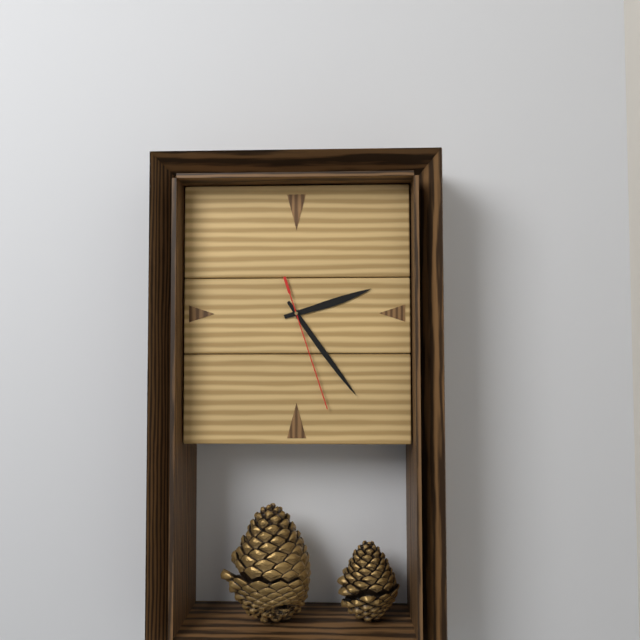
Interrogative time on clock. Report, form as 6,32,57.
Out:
2,24,27
